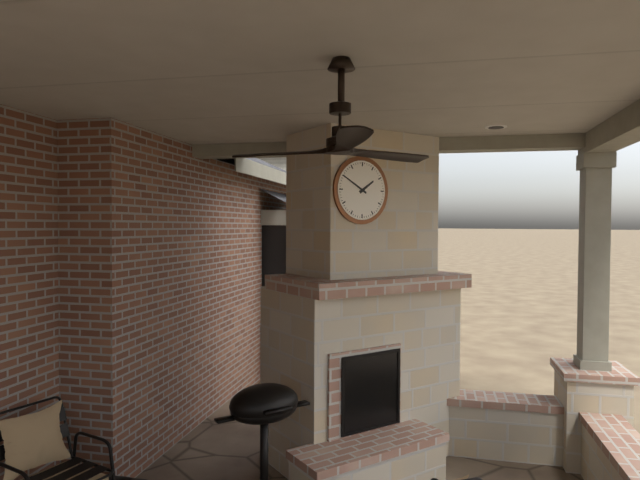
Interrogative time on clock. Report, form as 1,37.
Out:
1,50
